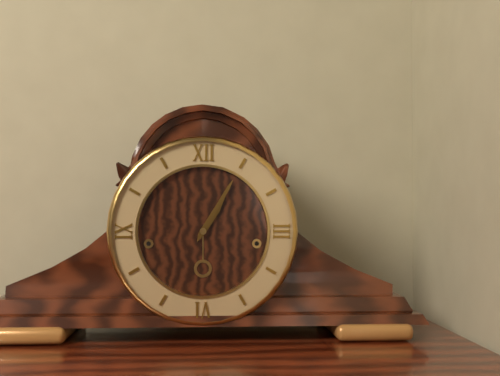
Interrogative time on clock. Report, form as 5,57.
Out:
1,05
